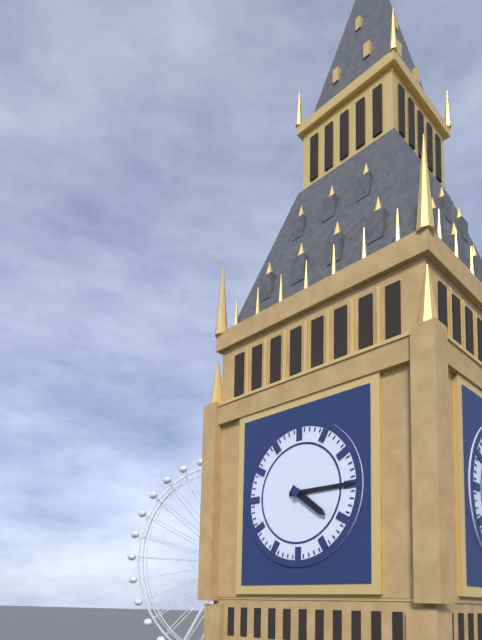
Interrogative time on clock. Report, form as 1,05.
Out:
4,15
